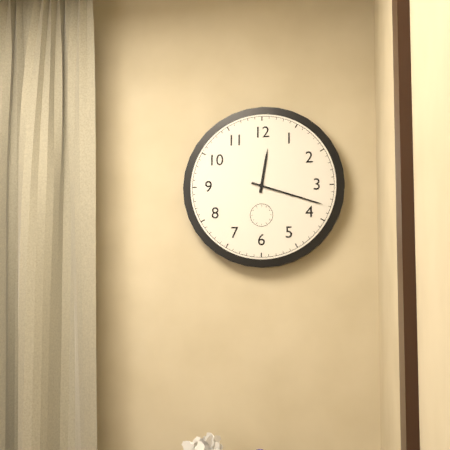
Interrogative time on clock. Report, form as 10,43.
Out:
12,18
